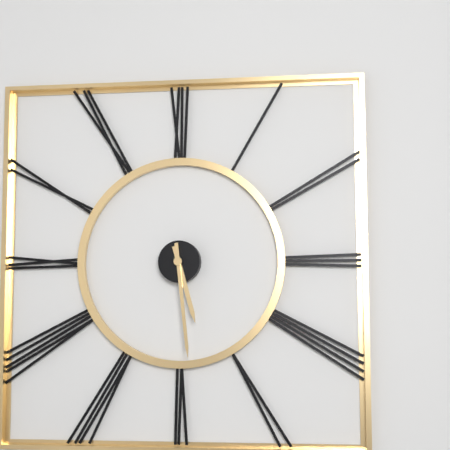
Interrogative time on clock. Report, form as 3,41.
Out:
5,29
